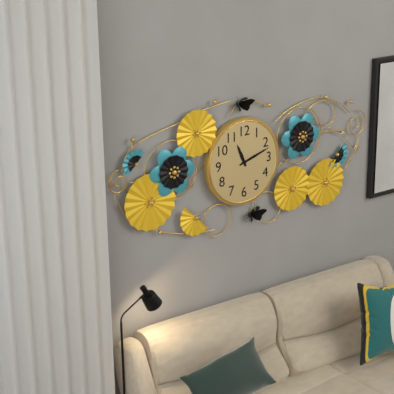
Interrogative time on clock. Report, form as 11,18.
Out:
11,12
